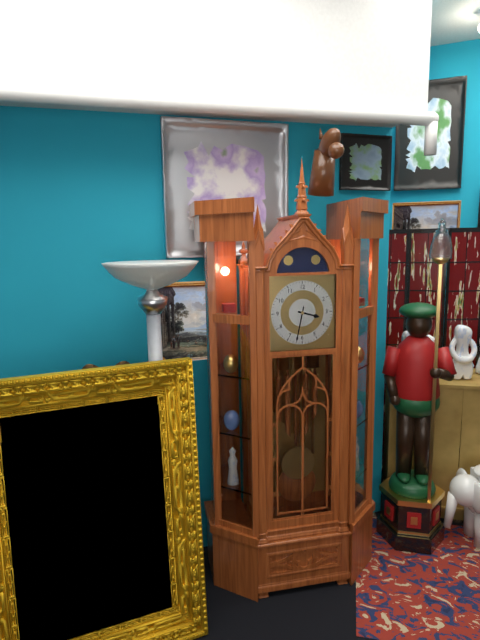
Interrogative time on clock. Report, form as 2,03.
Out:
3,32
